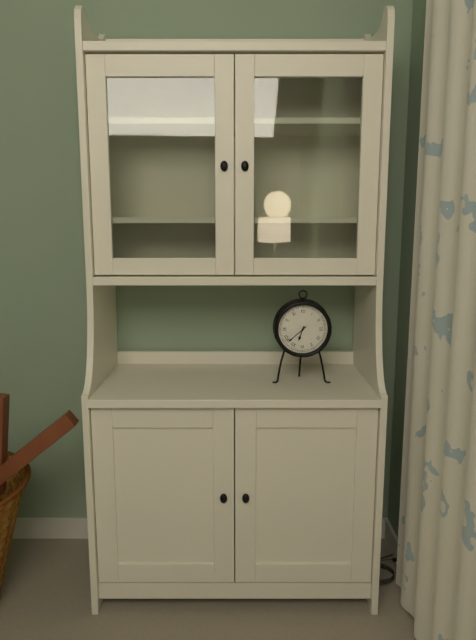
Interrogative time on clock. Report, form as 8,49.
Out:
6,38
